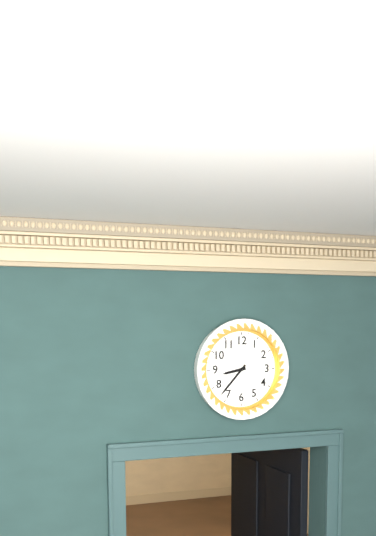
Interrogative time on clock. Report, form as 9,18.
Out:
8,37
